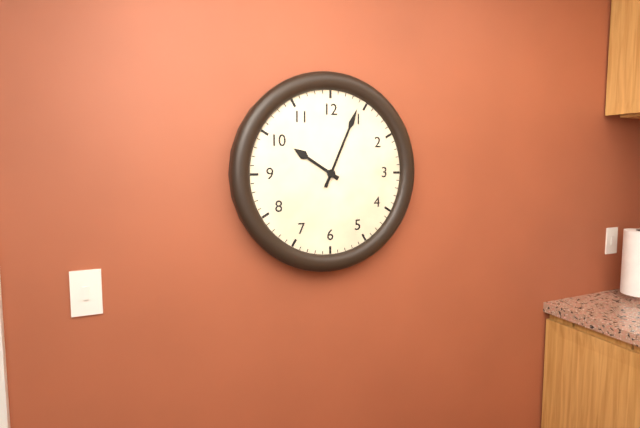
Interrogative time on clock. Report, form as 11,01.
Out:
10,04
